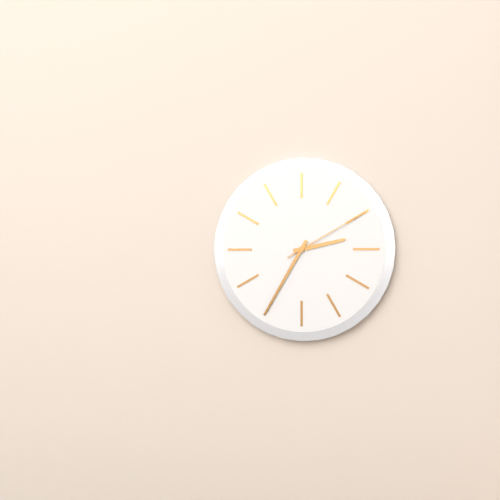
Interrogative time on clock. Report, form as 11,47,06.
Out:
2,35,10
